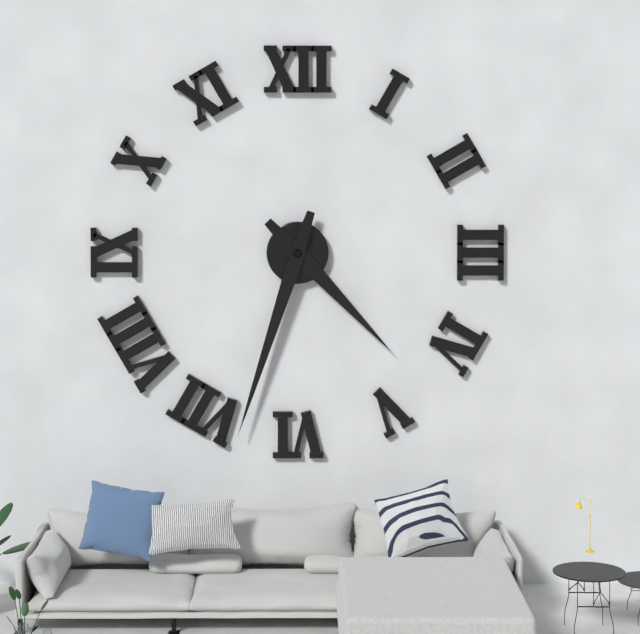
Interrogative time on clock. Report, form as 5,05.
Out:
4,33
